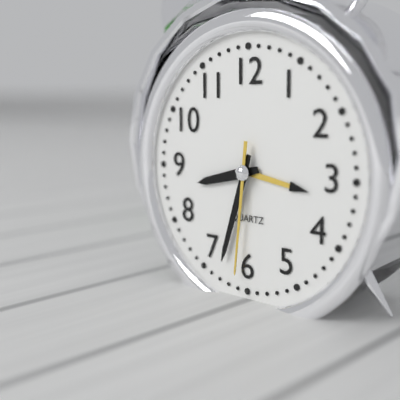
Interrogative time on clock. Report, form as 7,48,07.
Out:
8,33,31
